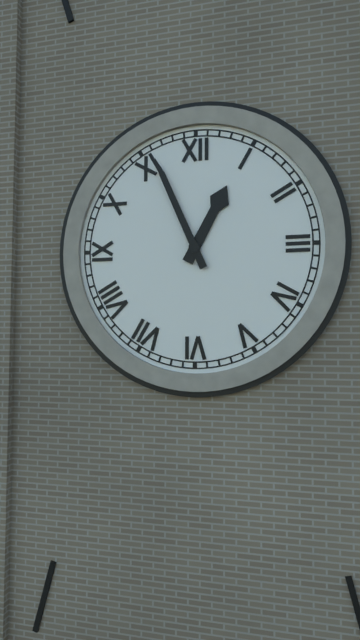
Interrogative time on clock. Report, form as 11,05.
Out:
12,56
